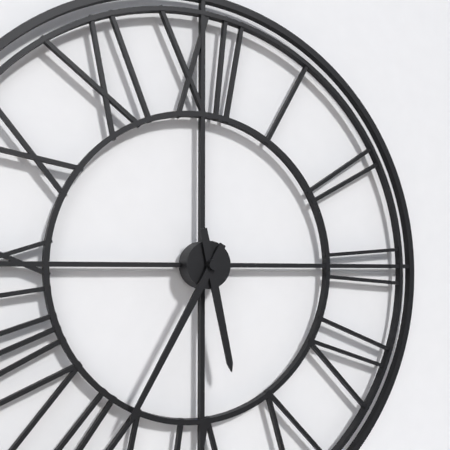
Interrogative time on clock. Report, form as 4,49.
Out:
5,35
